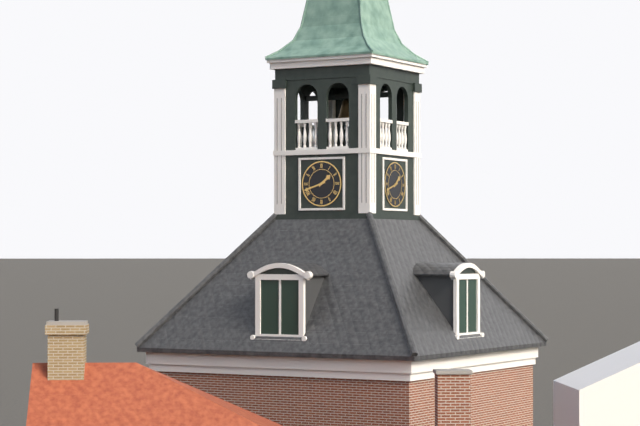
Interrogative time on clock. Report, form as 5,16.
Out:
1,42
